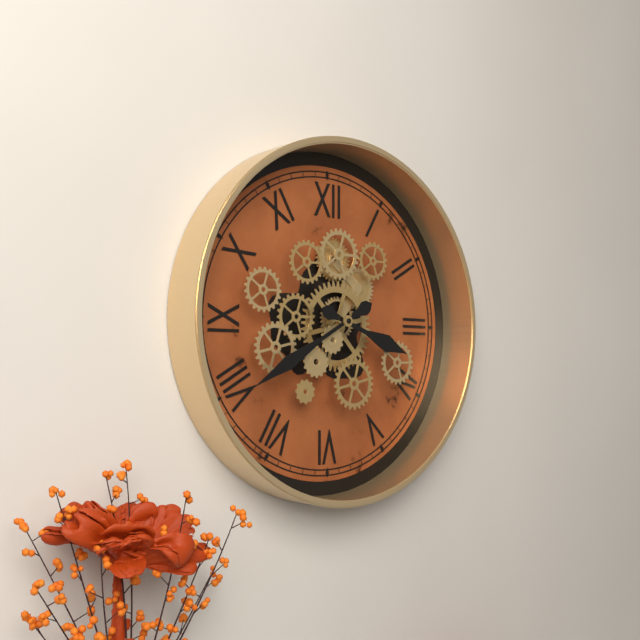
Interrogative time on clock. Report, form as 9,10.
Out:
3,40
